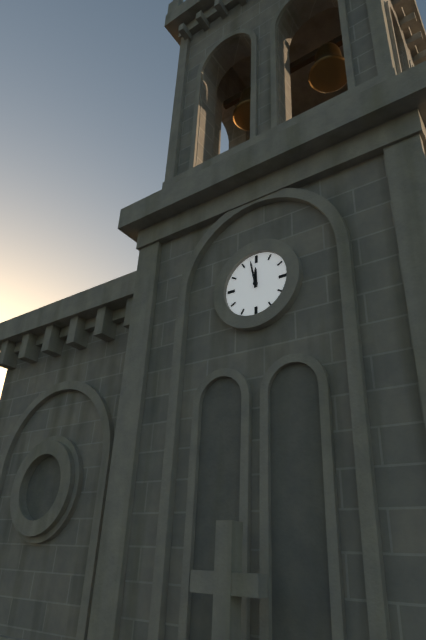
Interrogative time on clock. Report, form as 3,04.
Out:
11,58
